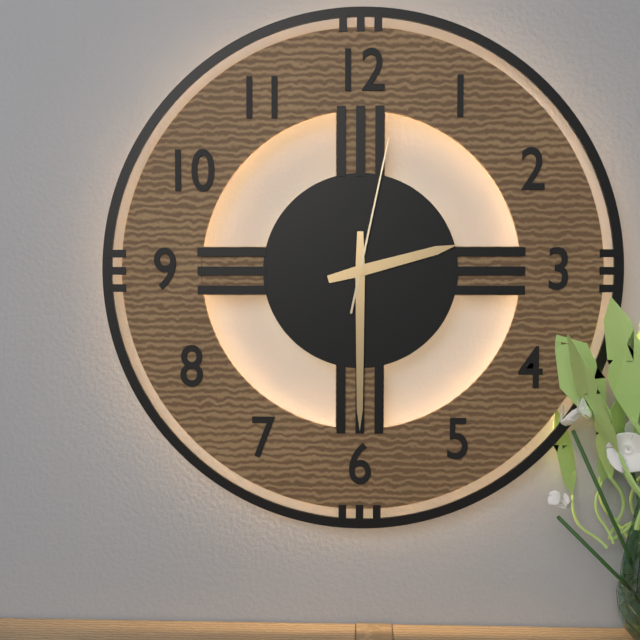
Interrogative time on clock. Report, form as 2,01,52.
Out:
2,30,02
